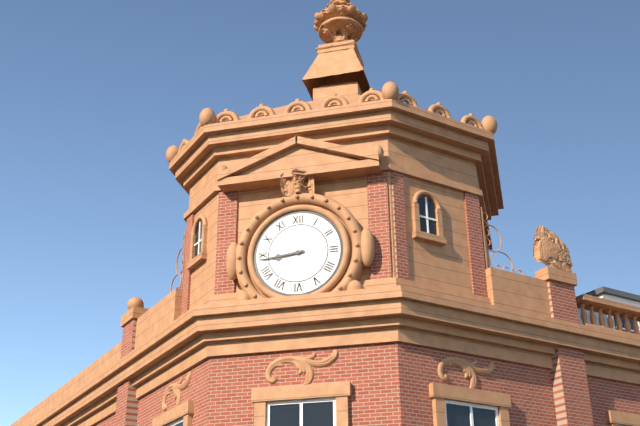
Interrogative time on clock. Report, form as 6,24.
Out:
8,44
